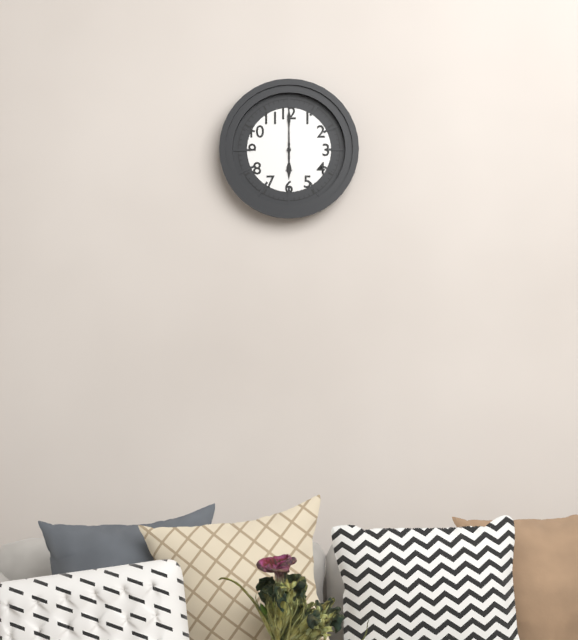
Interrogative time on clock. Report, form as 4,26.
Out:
6,00
